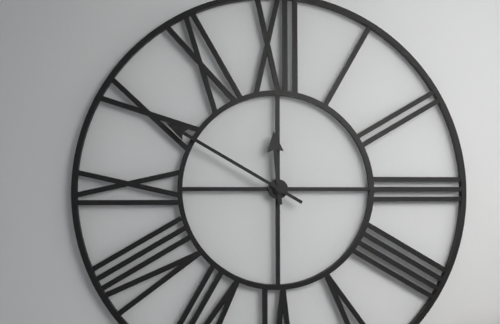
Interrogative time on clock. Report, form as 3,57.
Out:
11,50
